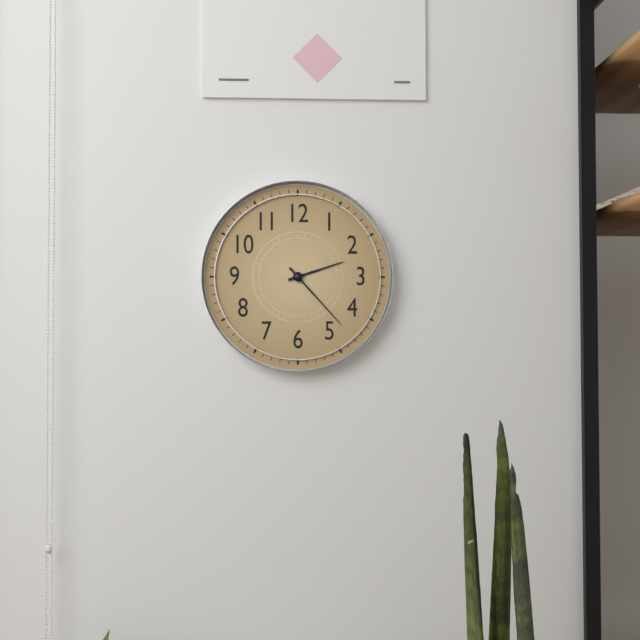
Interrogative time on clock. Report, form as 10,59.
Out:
2,23
